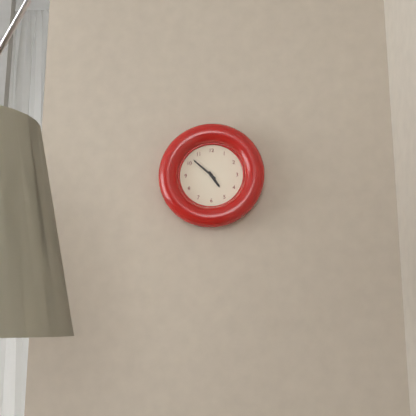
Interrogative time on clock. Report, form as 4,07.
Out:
4,52
